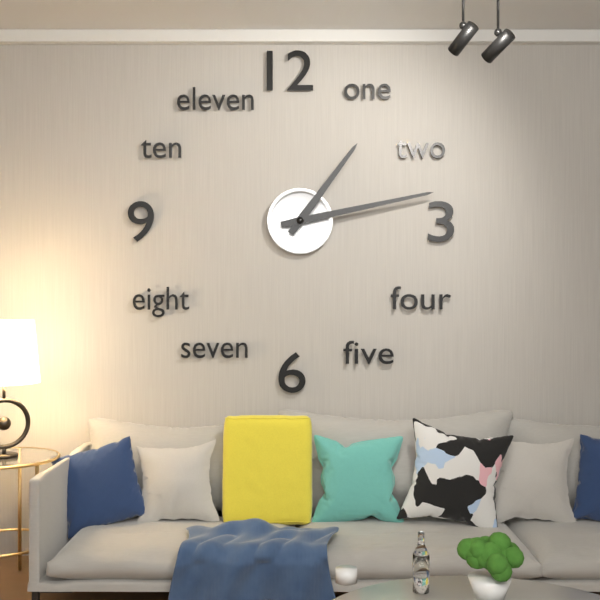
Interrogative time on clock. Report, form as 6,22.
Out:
1,13
